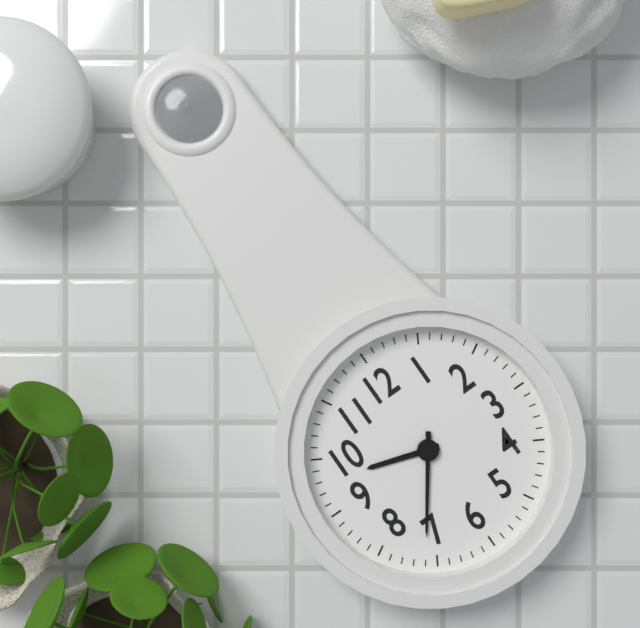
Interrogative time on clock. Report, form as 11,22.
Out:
9,36
